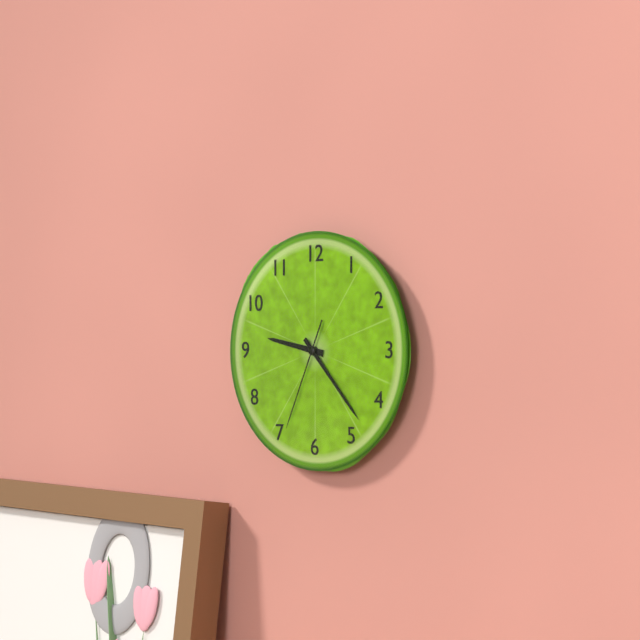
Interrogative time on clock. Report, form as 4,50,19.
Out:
9,23,34
